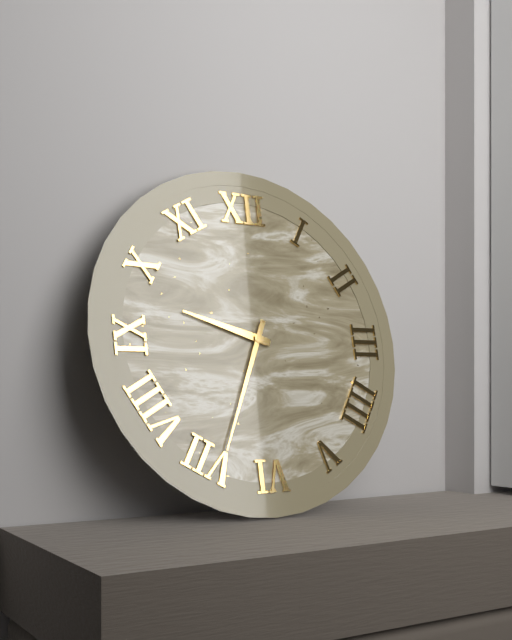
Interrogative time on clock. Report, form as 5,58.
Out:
9,34
